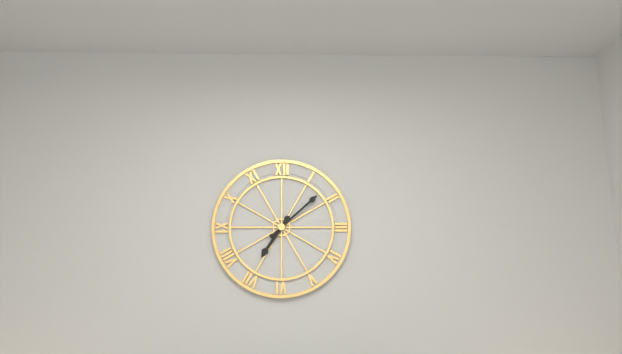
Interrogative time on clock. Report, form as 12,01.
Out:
7,08
